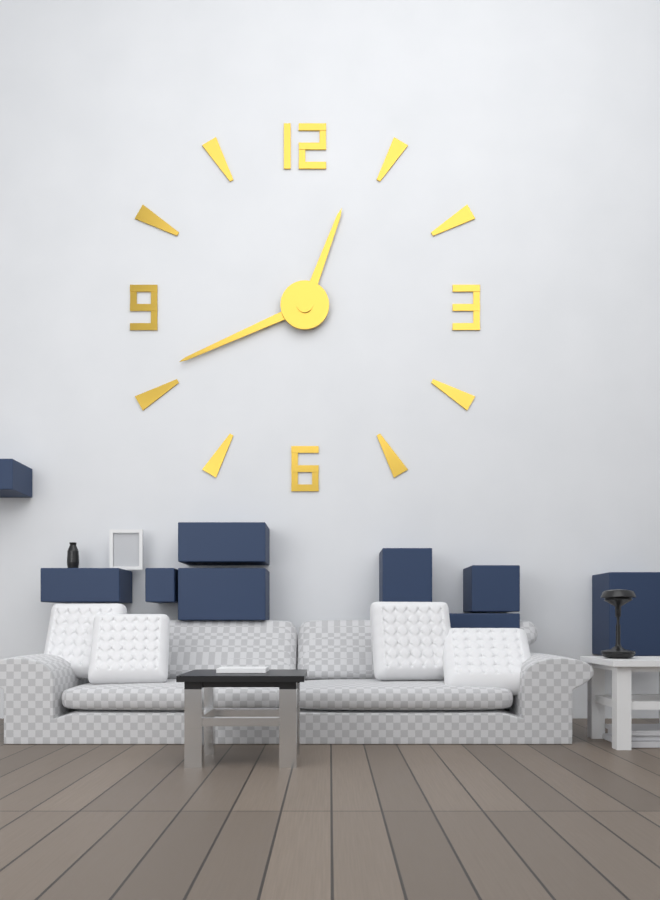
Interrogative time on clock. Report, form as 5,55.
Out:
12,41
